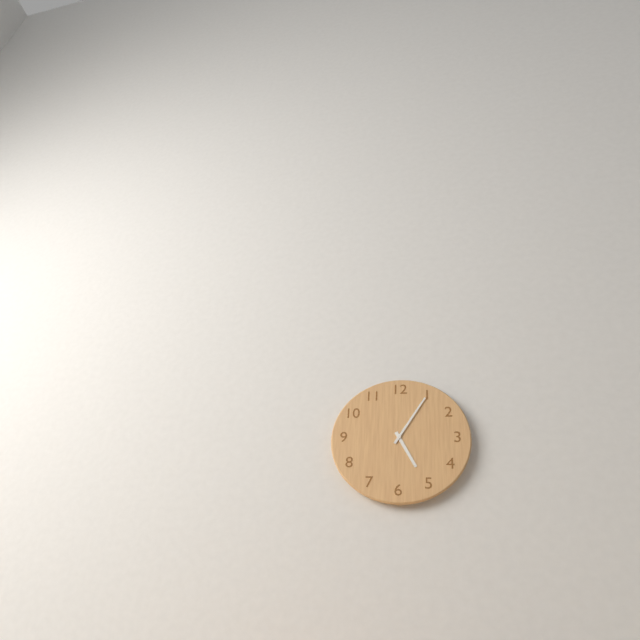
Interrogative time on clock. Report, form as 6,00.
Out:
5,05
